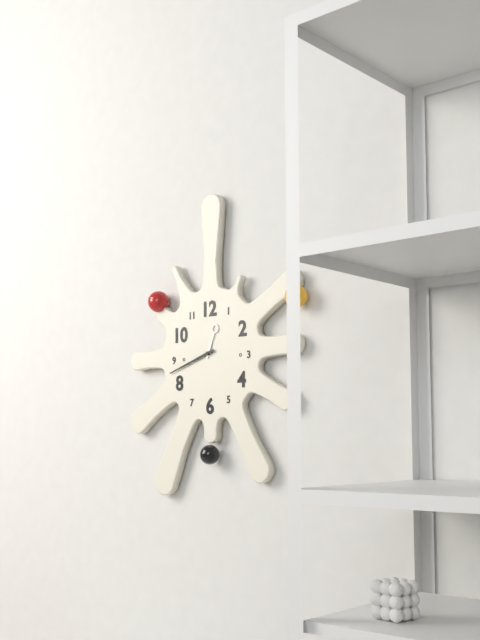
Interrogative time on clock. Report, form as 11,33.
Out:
12,42
